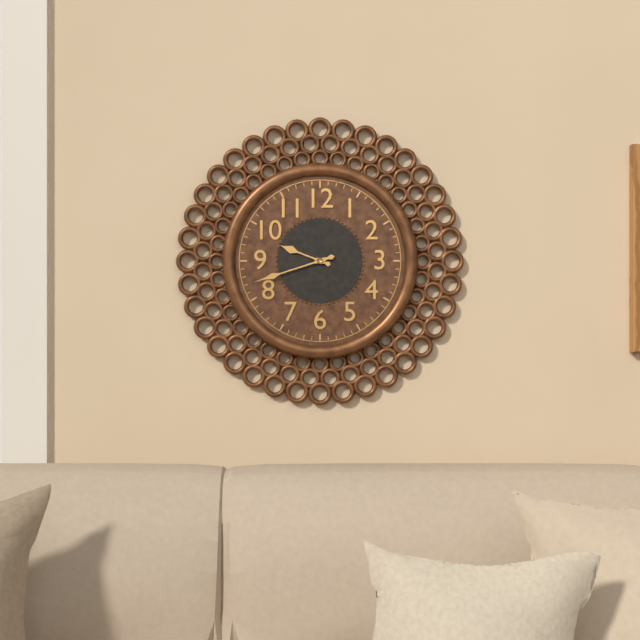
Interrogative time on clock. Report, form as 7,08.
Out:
9,42
